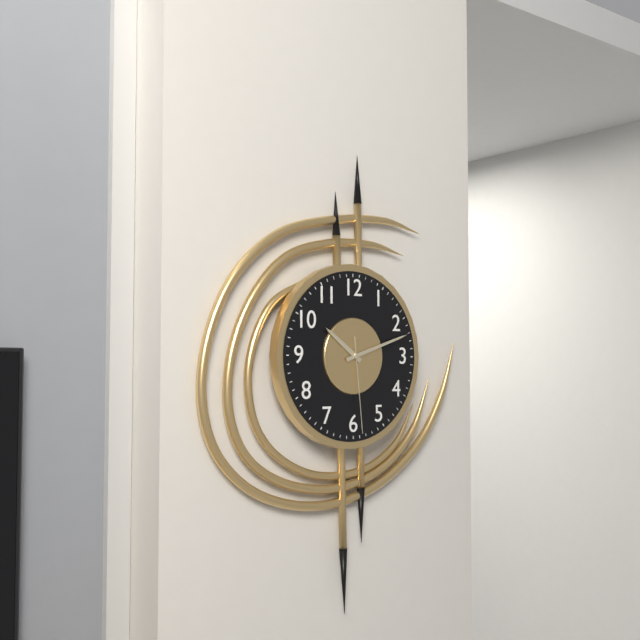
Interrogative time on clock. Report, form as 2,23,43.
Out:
10,12,29
